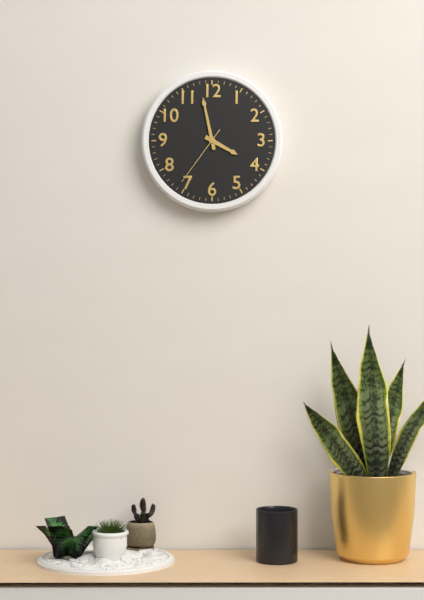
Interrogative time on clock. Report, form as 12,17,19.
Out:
3,58,36
